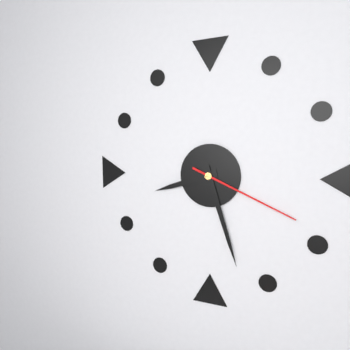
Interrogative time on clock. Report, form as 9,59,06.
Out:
8,27,19
